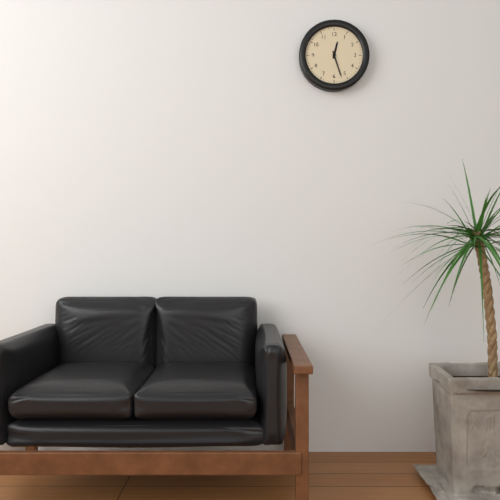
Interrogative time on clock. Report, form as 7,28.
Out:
12,27
